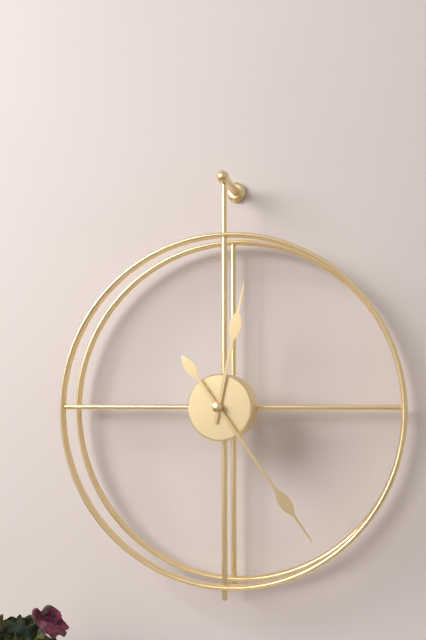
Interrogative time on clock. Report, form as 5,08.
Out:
12,24
